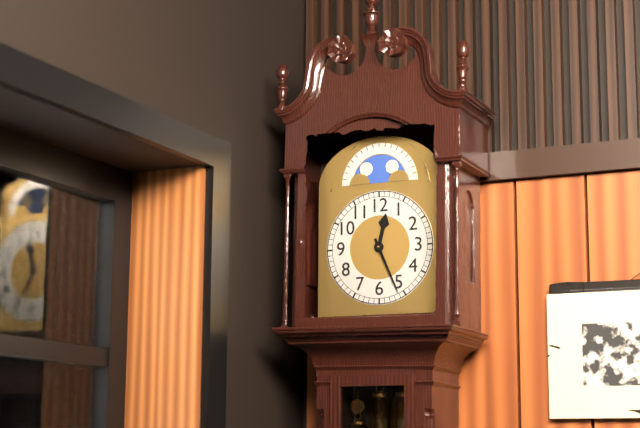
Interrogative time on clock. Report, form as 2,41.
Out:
12,26
